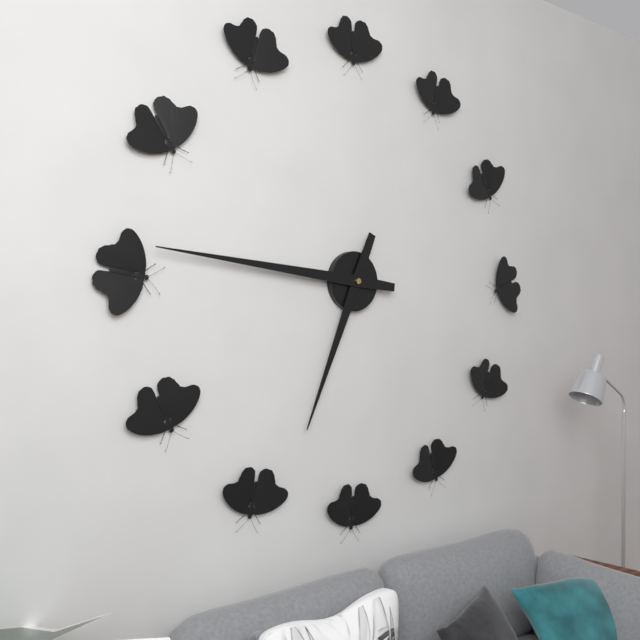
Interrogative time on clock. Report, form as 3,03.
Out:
6,46
